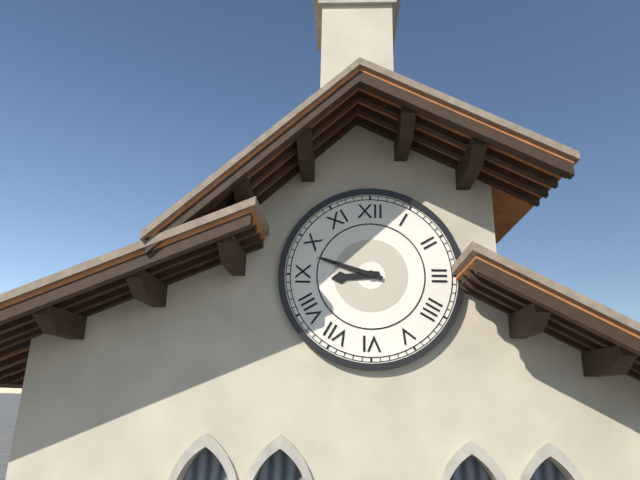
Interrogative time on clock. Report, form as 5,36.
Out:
8,48
